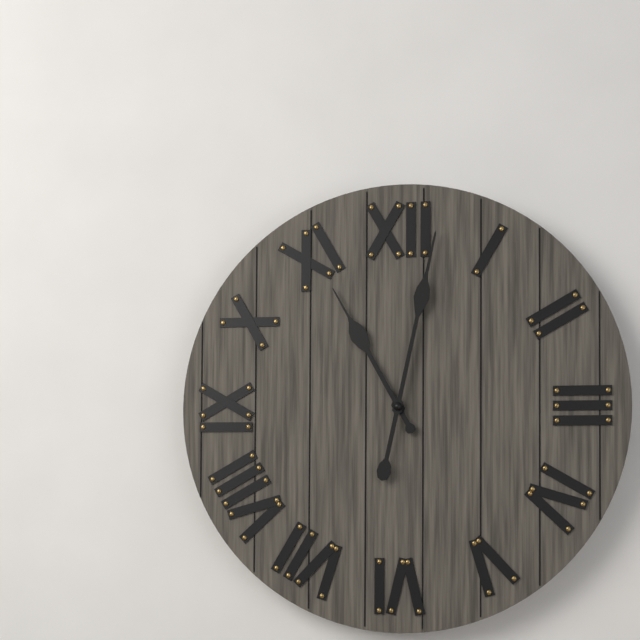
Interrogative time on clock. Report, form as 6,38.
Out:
11,02
